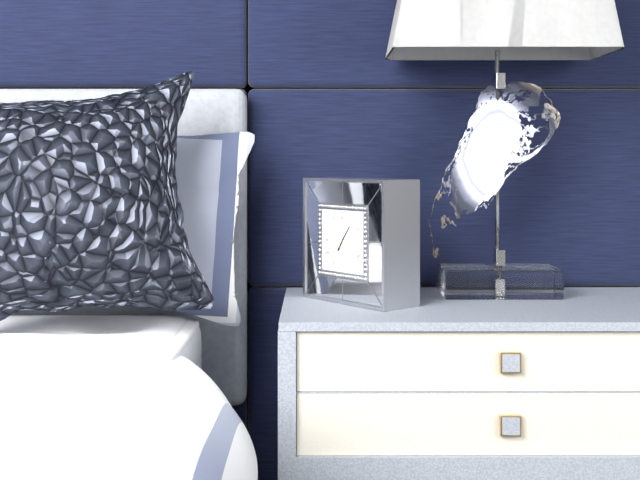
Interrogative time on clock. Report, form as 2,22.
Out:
7,06
